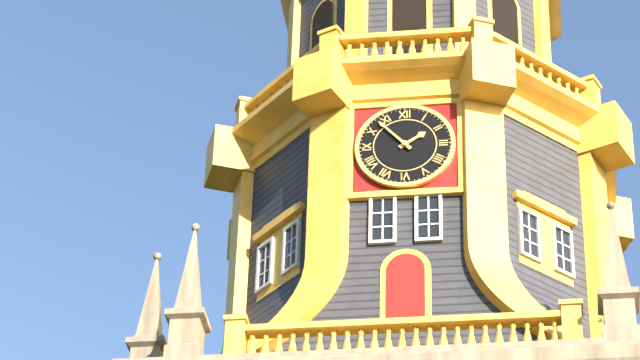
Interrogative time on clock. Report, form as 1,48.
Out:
1,53
